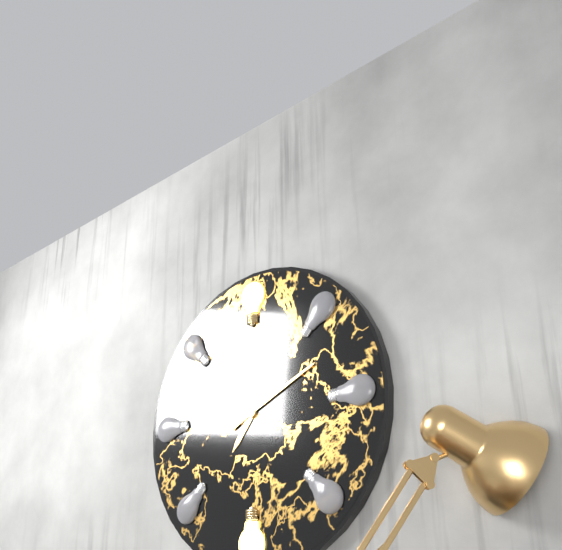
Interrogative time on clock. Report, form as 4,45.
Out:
7,11
